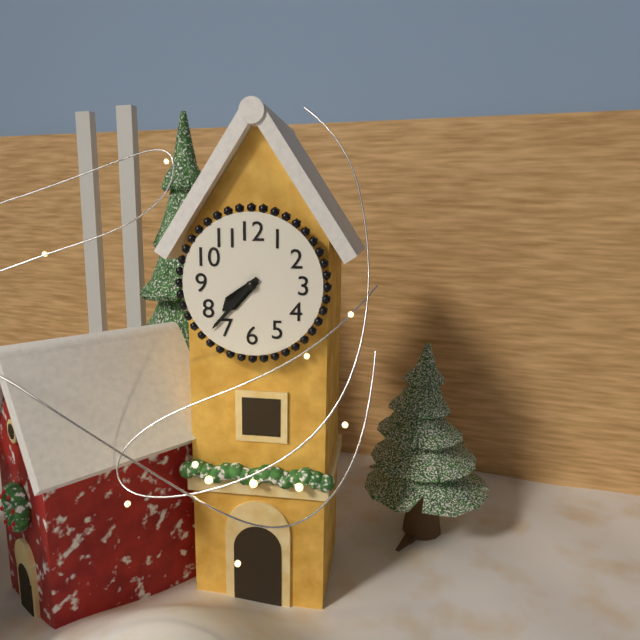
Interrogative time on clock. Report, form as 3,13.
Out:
7,37
